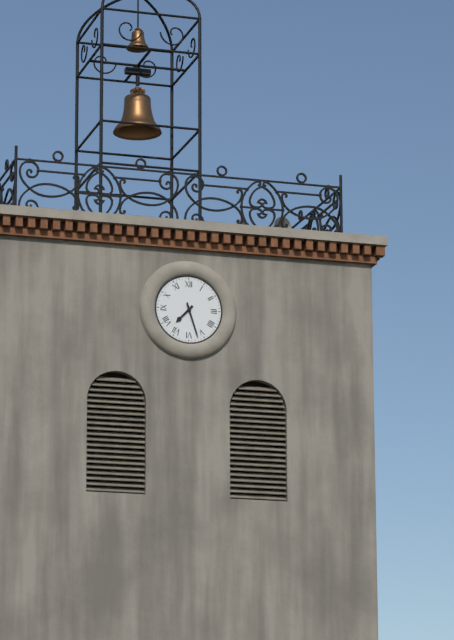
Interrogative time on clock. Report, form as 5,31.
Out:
7,27
